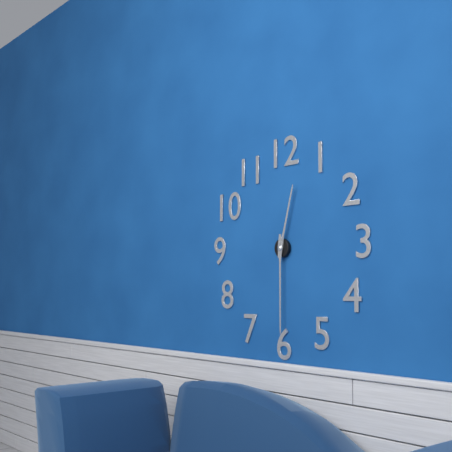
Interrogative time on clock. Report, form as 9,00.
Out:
12,30
